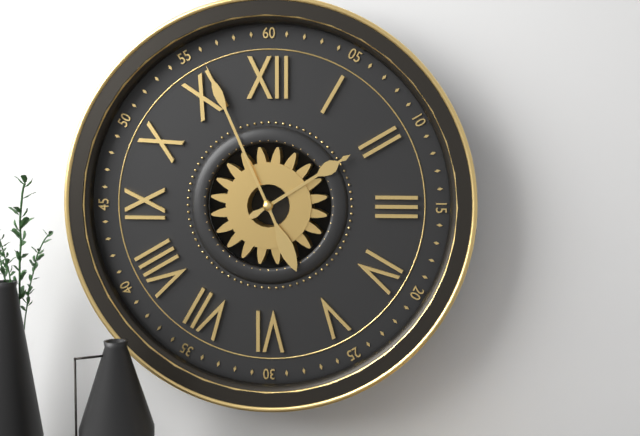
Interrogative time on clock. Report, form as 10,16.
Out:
1,56
